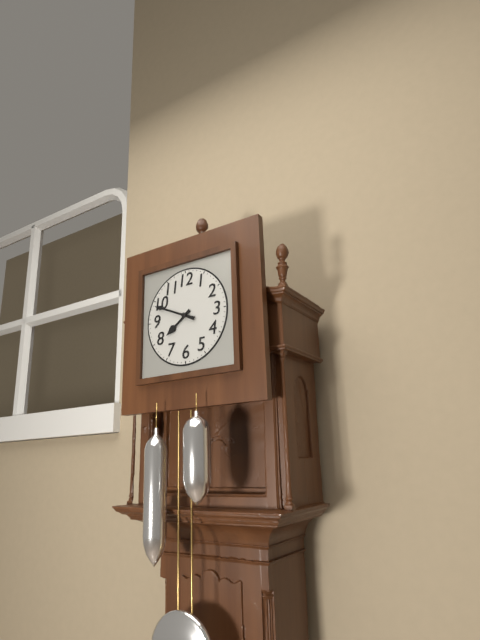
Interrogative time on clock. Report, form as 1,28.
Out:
7,49
